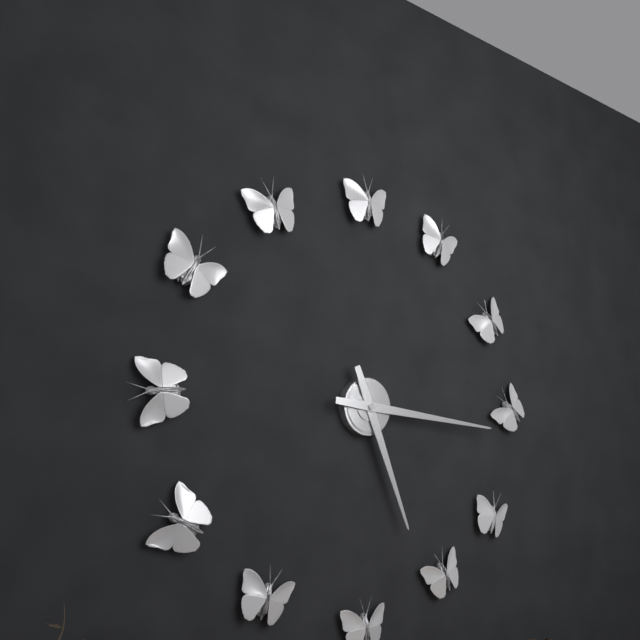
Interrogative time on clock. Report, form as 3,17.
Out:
5,16
